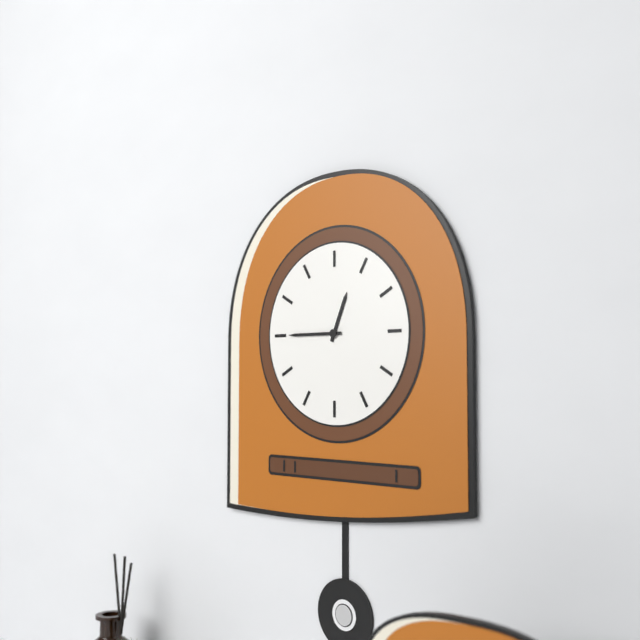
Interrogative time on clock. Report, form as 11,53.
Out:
12,45
